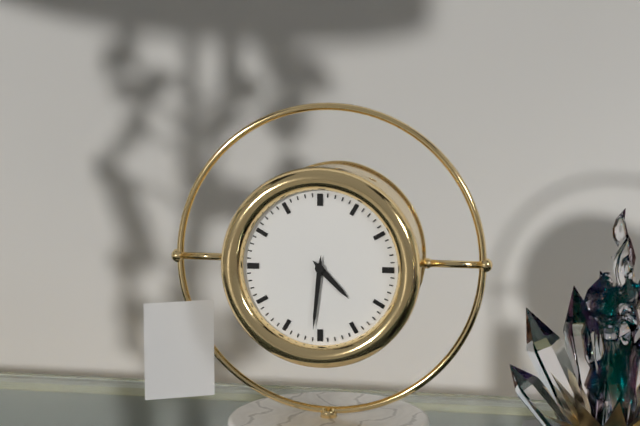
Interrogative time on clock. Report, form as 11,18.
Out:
4,31
